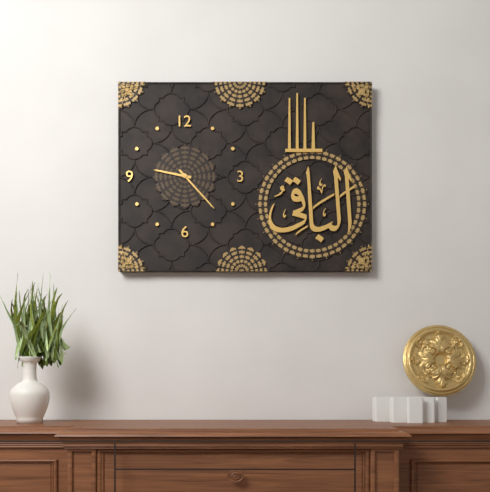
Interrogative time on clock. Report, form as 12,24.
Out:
9,23
